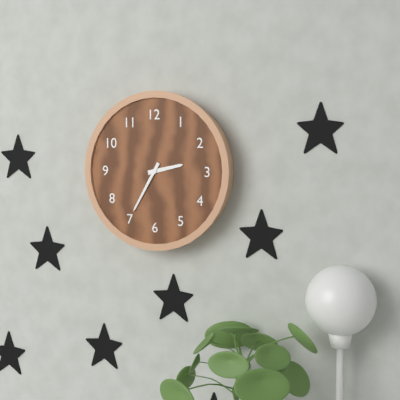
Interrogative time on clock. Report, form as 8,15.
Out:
2,35
